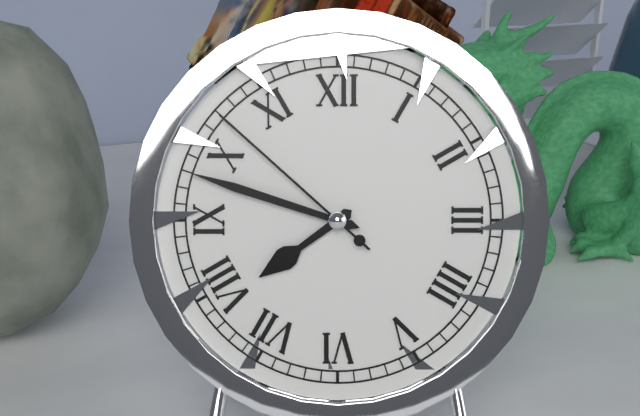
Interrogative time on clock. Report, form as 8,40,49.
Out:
7,48,52
